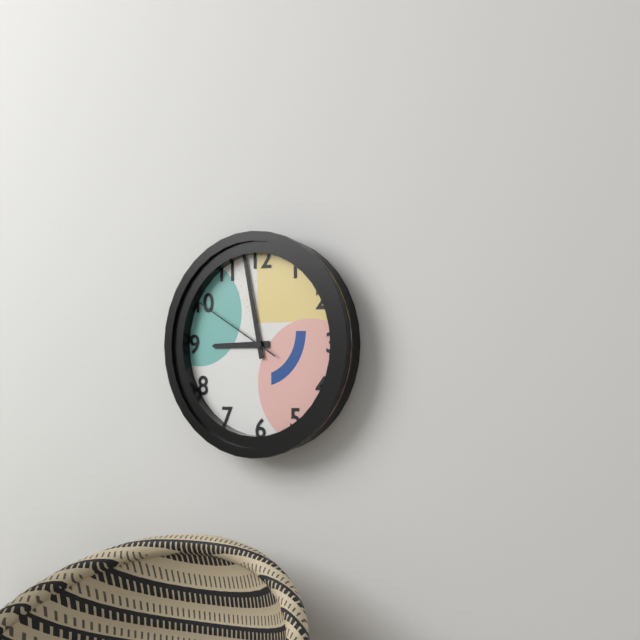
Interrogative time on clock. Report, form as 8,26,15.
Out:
8,58,50
